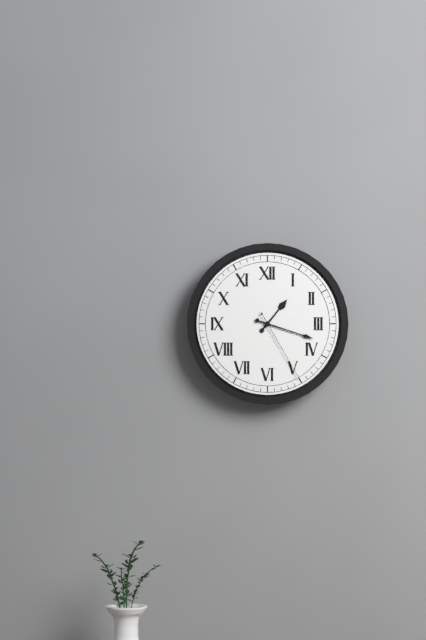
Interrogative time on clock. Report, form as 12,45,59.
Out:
1,18,25
